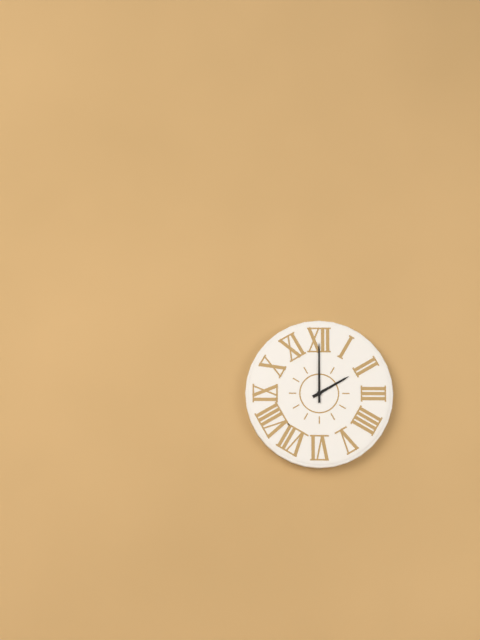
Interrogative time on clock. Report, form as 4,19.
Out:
2,00
